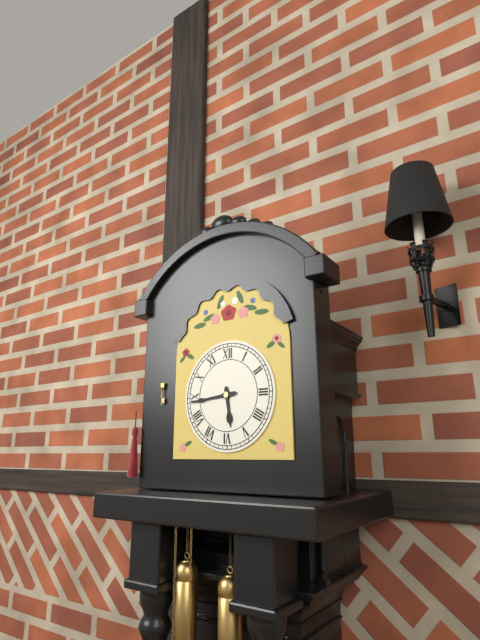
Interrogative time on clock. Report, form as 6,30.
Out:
5,44
